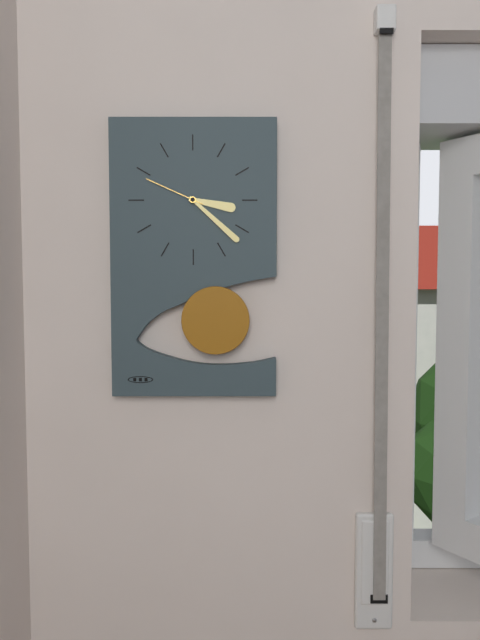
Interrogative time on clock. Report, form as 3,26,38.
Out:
3,22,49
